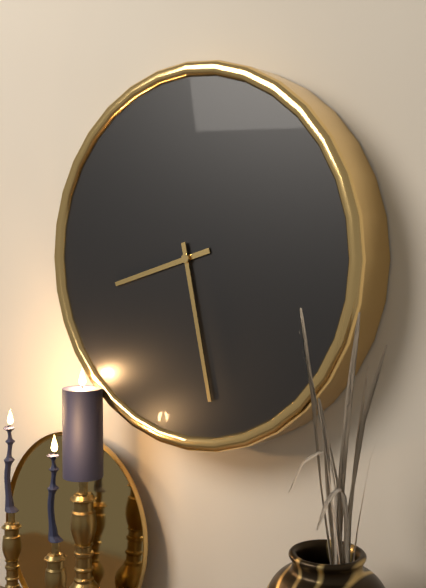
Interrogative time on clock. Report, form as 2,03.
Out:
8,28
